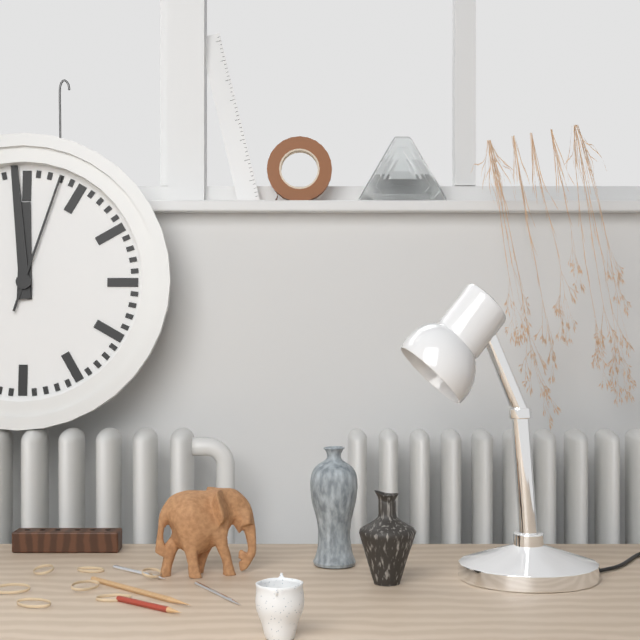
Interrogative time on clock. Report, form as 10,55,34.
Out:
11,59,03
